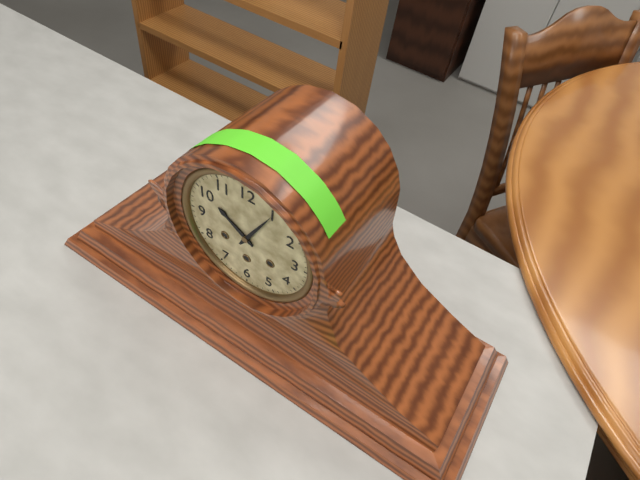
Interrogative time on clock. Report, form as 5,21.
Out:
10,05
